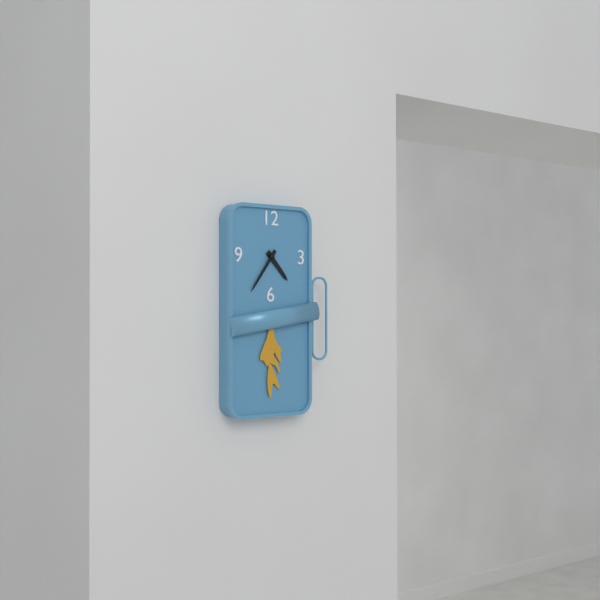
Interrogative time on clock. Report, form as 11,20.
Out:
4,36
